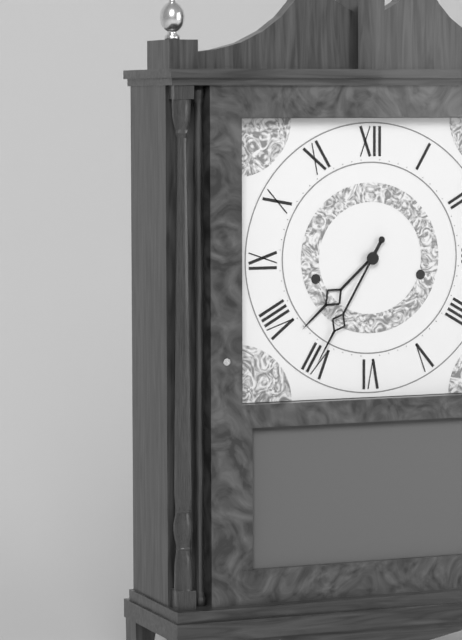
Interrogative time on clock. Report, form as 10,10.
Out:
7,35
